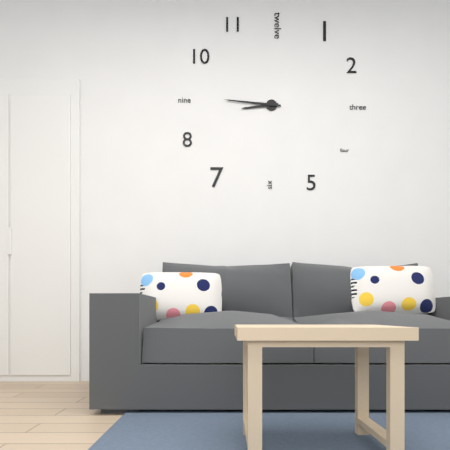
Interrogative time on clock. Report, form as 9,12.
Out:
8,46
